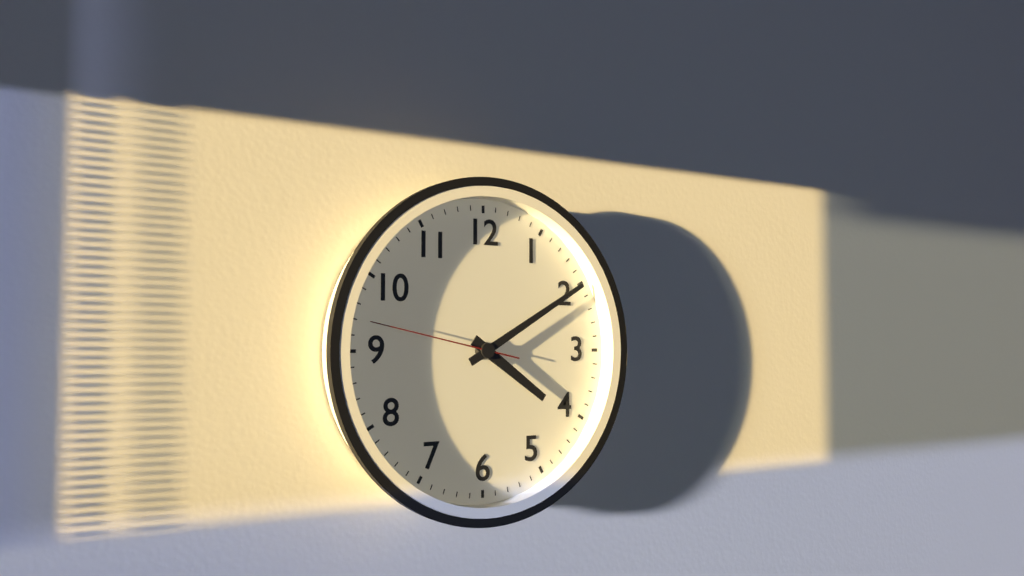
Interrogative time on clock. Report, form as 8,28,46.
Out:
4,10,47
